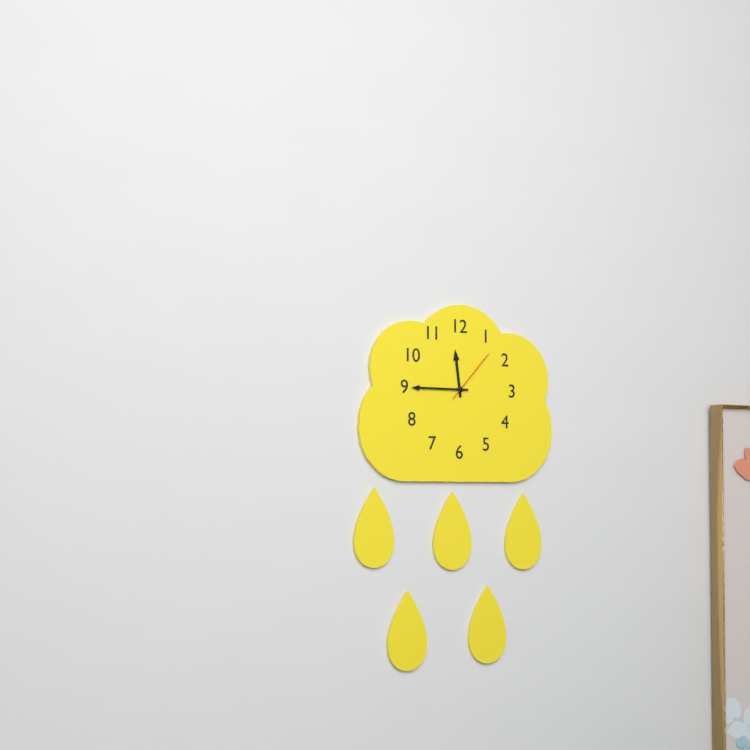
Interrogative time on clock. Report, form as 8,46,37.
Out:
11,45,07
